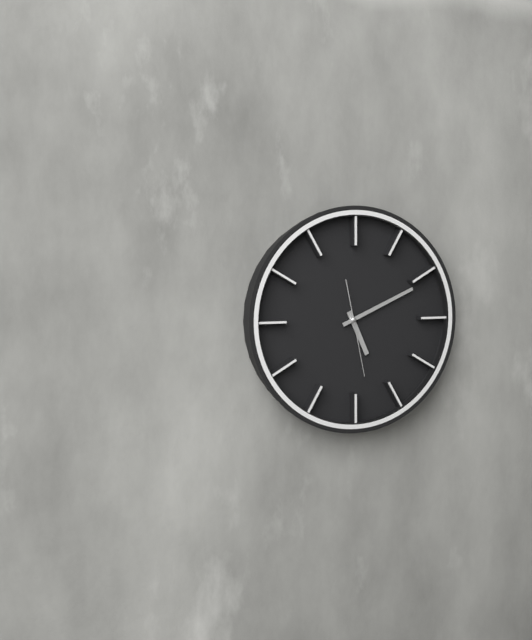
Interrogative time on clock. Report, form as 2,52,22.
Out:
5,11,28
